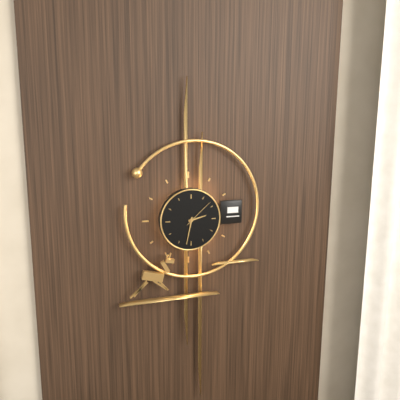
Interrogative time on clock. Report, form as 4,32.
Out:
2,32
